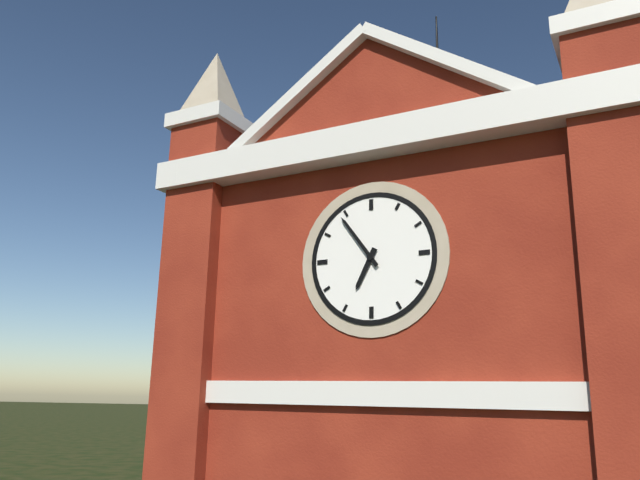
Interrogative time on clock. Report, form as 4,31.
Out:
6,54
